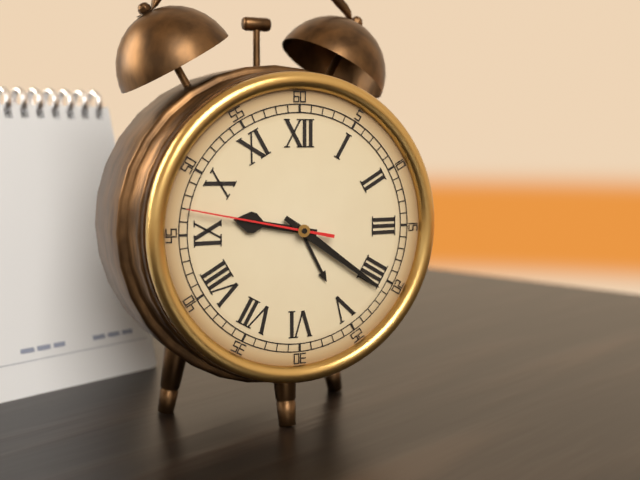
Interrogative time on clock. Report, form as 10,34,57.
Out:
9,21,47
